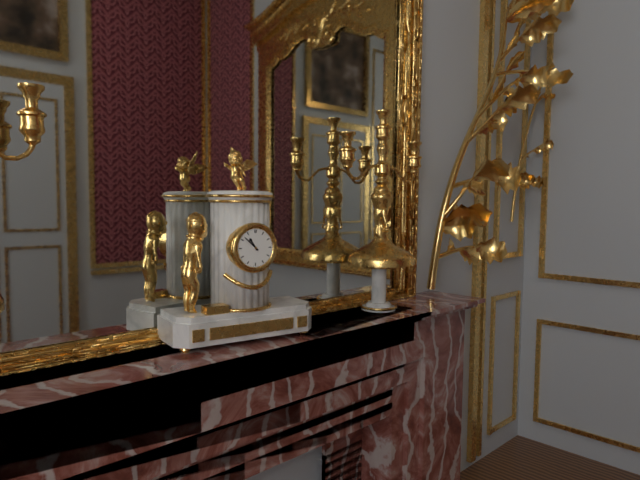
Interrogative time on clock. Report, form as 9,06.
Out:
10,52
